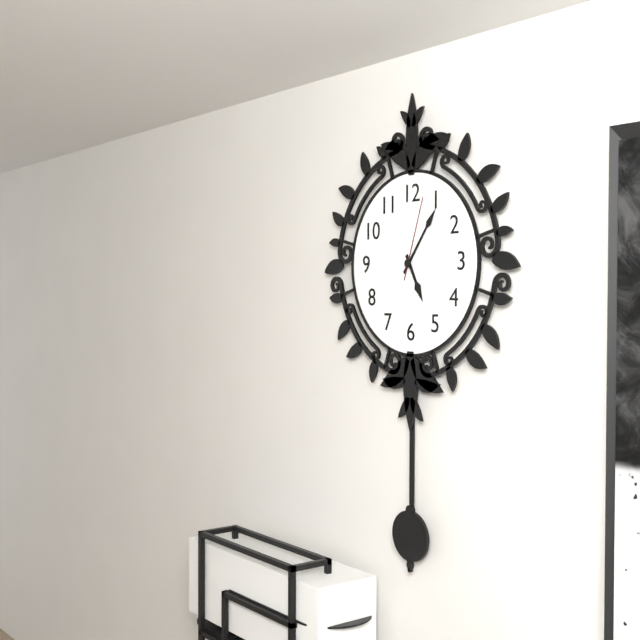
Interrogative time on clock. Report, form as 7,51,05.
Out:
5,06,03
